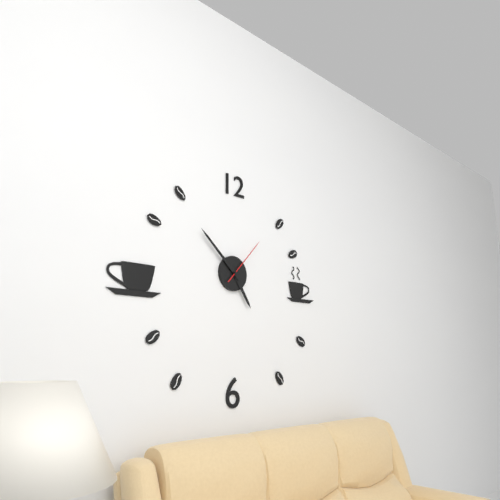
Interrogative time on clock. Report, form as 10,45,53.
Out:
4,52,07
